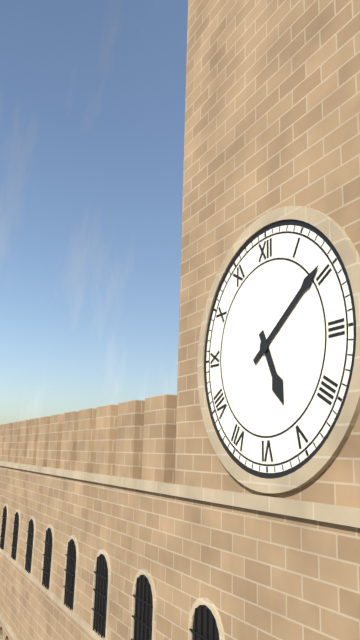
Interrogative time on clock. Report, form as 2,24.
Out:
5,09
